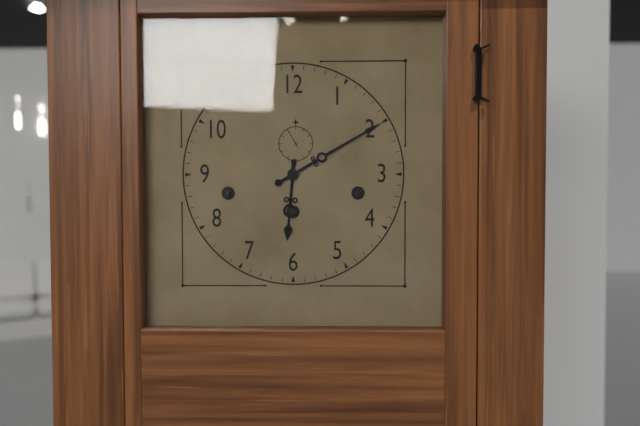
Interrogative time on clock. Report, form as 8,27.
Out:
6,10
